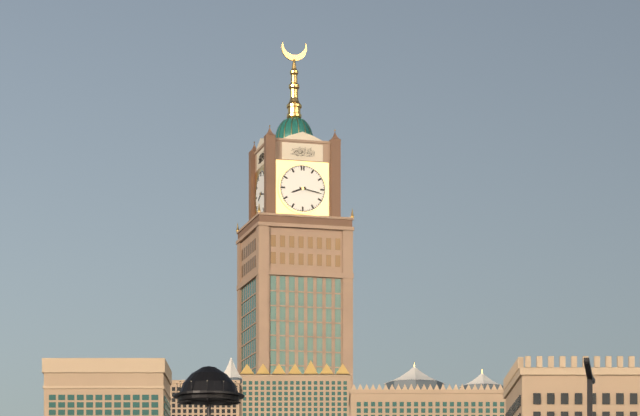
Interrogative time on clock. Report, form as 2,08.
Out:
8,17
